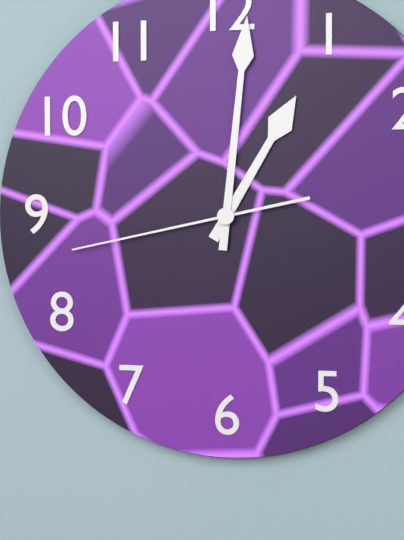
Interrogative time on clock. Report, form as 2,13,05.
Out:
1,01,43
